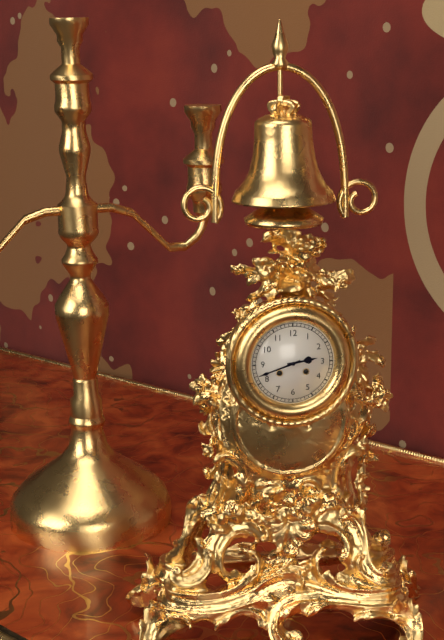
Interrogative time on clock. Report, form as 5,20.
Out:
2,42
